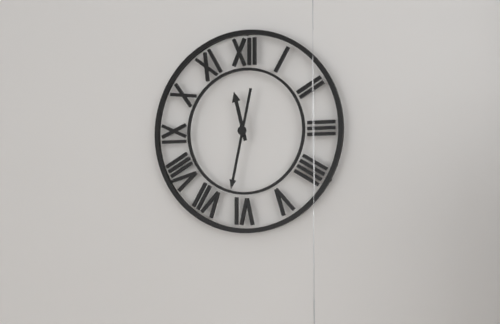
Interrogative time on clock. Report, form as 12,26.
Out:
11,32
